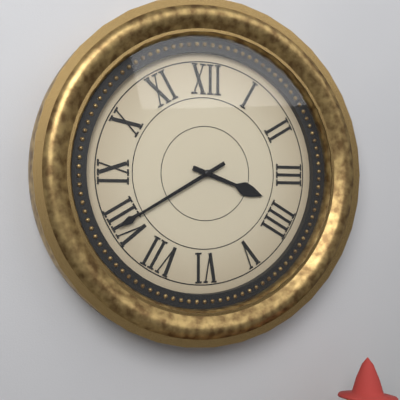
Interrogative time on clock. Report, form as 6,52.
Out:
3,40
